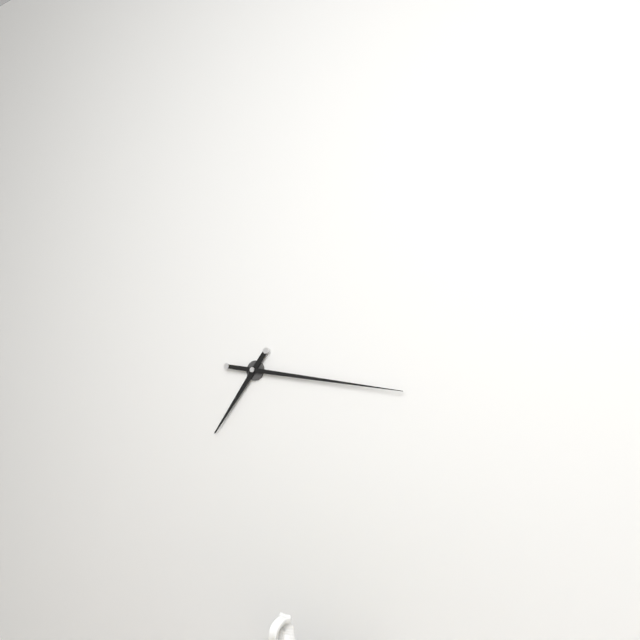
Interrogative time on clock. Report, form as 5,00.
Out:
7,17
